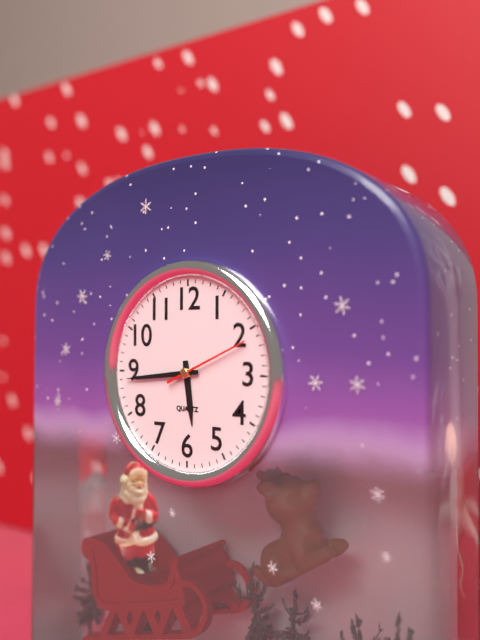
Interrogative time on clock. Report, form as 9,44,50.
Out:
5,44,11
